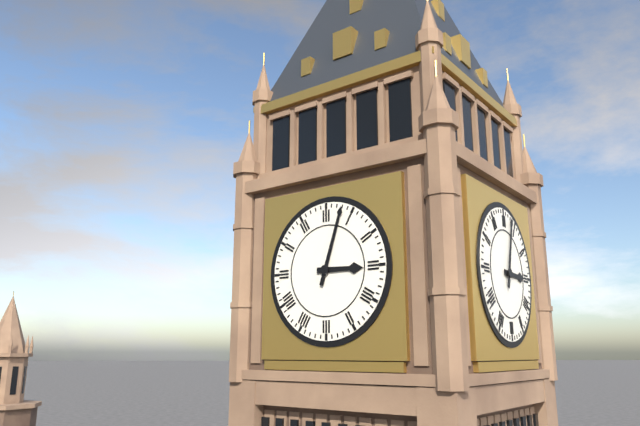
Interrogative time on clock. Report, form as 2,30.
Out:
3,03
